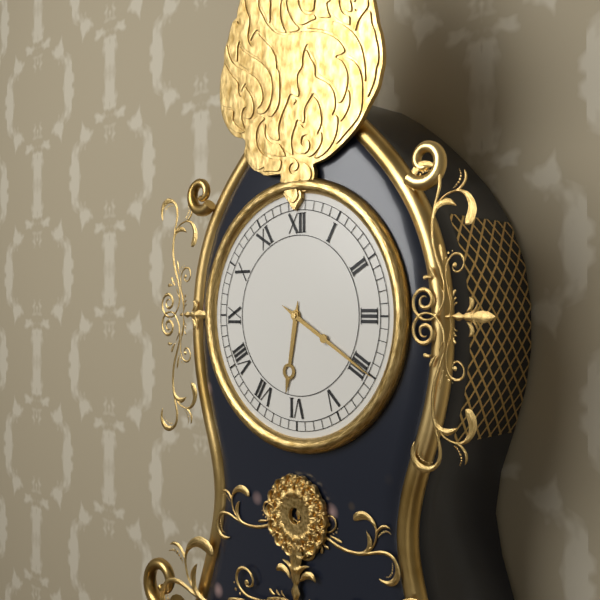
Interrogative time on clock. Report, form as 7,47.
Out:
6,20
